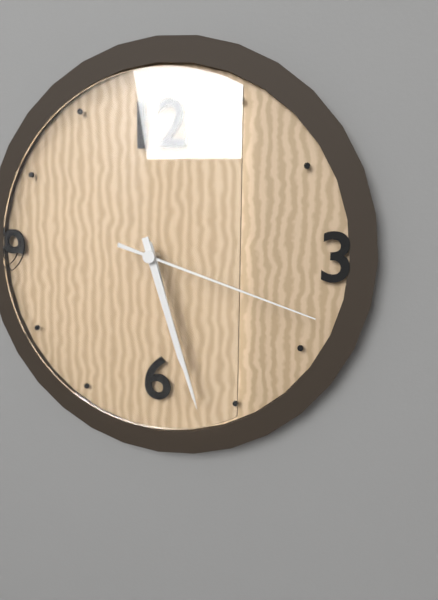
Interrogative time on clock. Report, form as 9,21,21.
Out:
5,27,18
